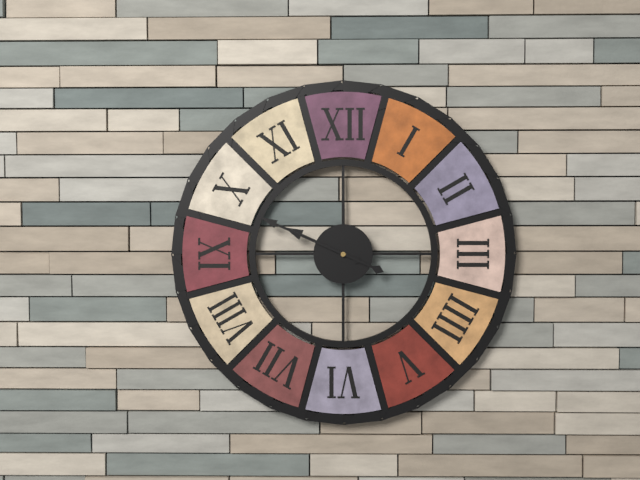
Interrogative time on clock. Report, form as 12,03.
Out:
9,49
